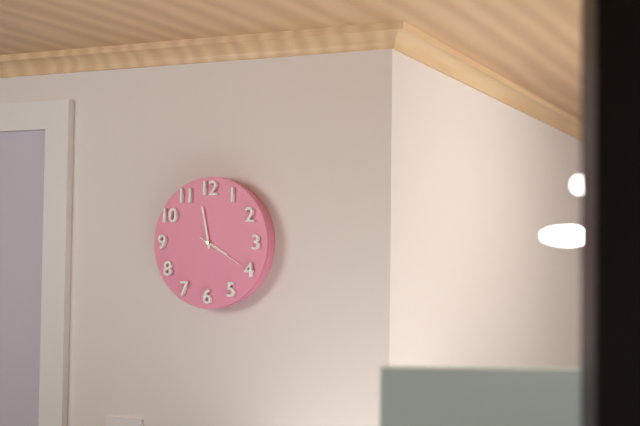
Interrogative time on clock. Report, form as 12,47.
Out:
3,58
